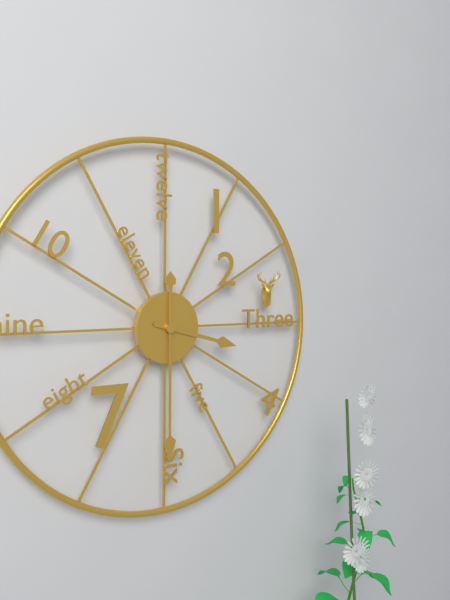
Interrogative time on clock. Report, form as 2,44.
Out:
3,30
